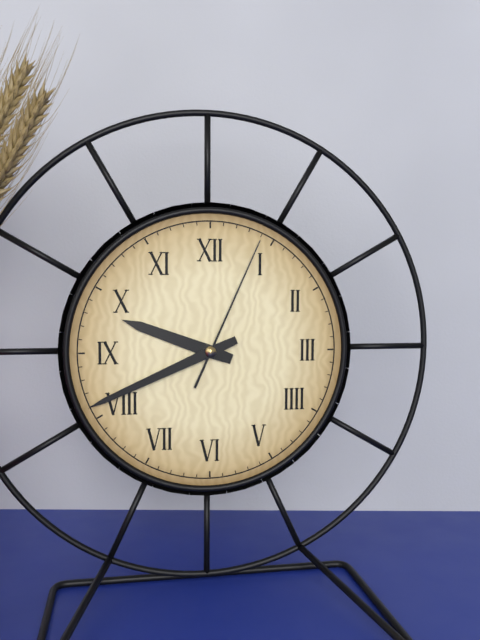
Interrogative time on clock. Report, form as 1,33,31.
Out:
9,41,04
